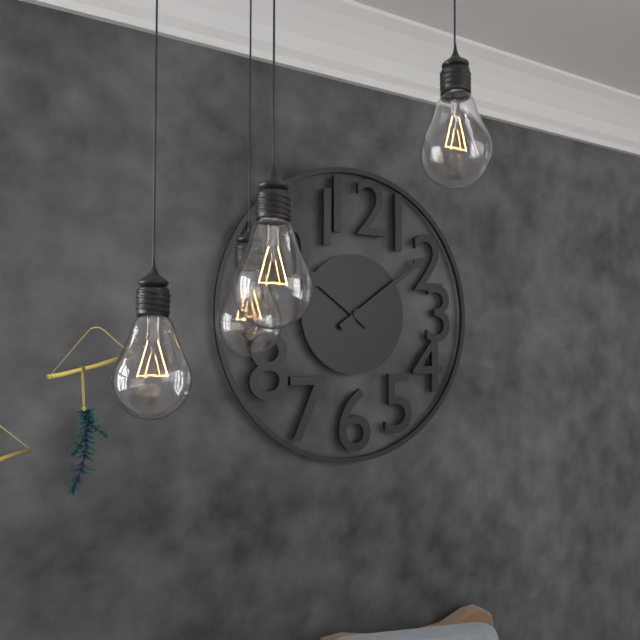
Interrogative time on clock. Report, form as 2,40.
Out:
10,09
